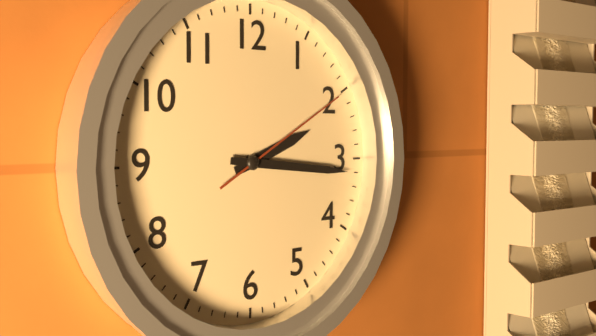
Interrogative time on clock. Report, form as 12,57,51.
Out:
2,16,10
